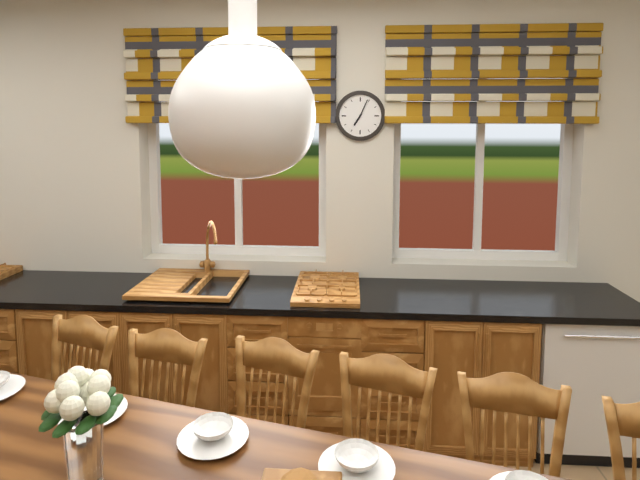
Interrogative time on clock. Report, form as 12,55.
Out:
7,04
